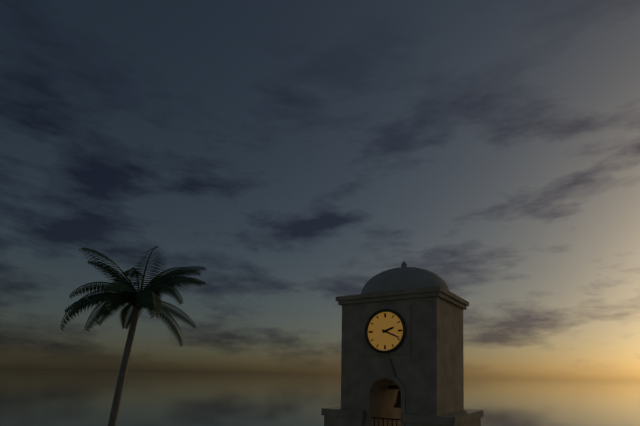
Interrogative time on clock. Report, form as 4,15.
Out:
2,19
